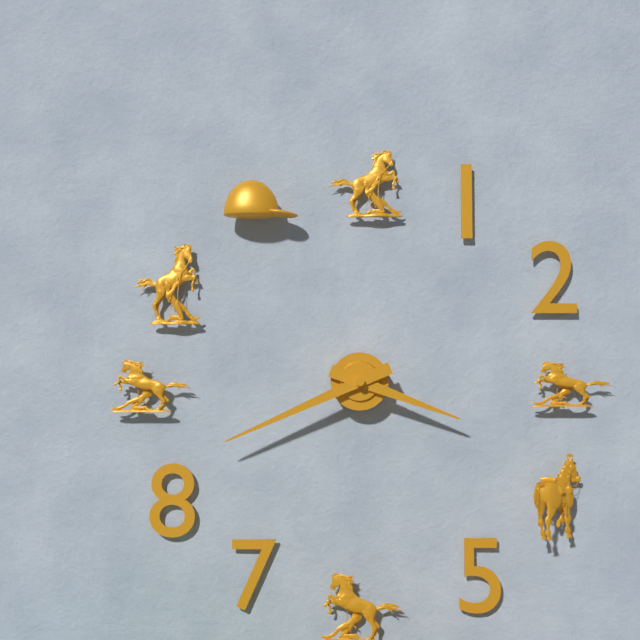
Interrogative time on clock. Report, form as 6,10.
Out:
3,41
